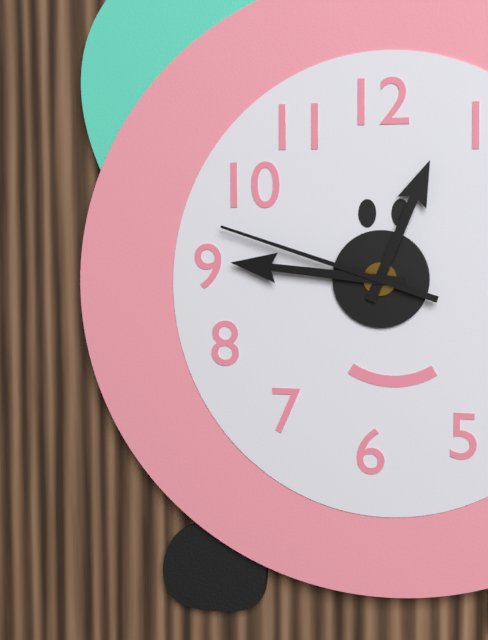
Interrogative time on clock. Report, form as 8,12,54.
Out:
12,46,48
